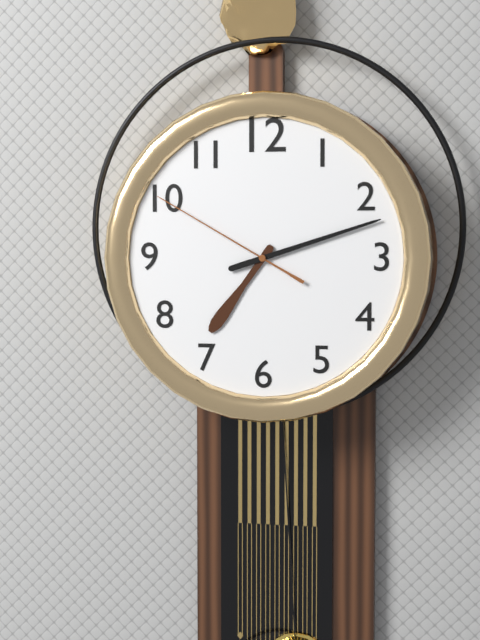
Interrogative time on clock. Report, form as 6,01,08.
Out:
7,12,50
